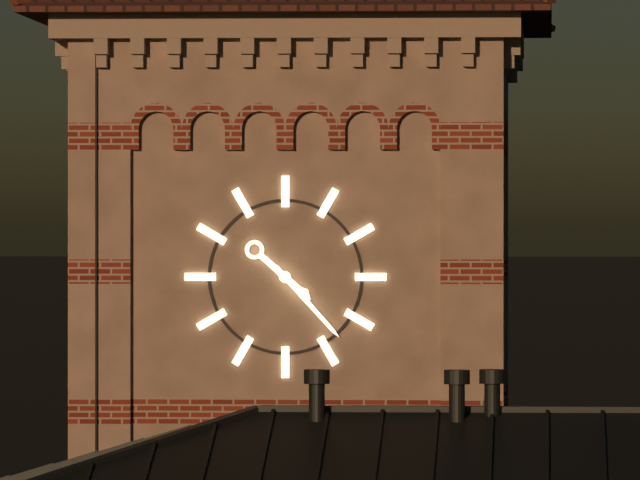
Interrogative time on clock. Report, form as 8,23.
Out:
4,23
